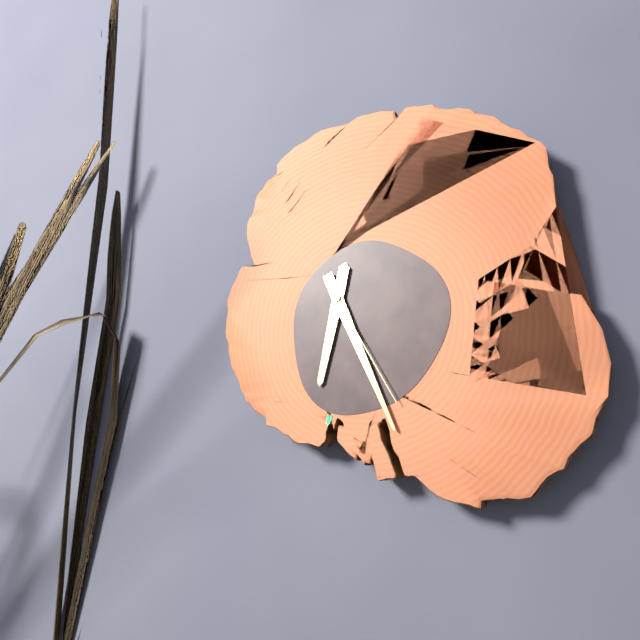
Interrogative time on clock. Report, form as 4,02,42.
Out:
6,26,25
